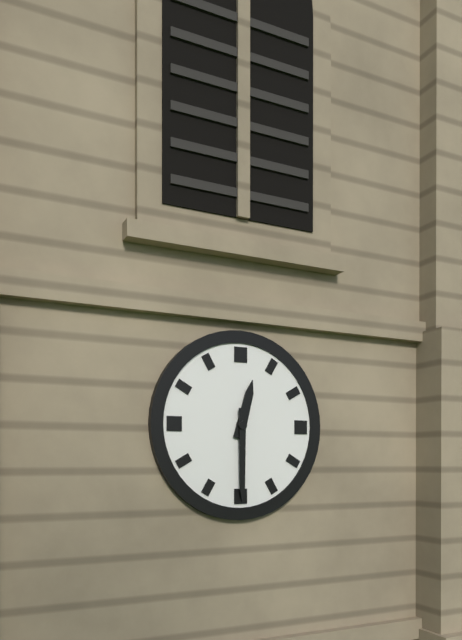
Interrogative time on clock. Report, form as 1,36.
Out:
12,30
